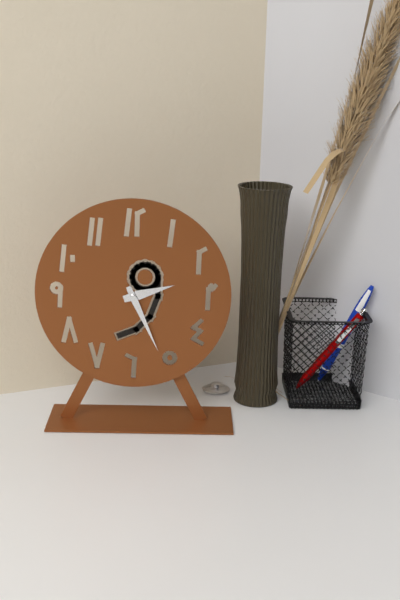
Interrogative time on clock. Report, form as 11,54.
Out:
2,26
